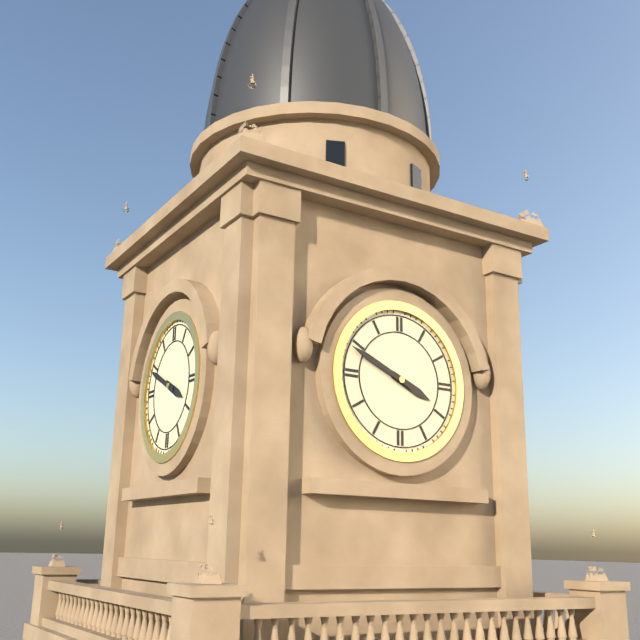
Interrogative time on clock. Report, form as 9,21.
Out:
3,49
